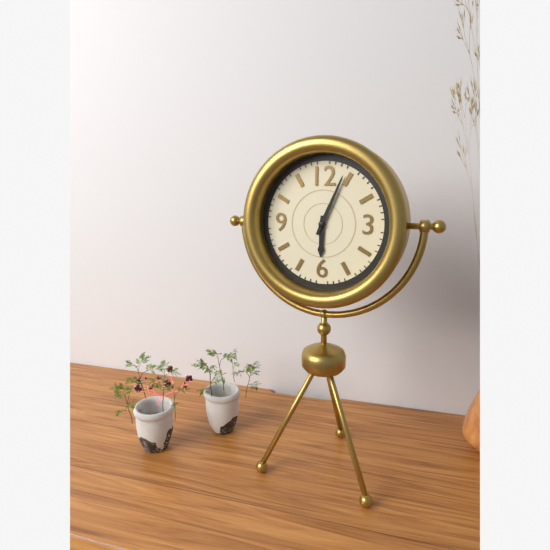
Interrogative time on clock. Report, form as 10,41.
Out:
6,04
